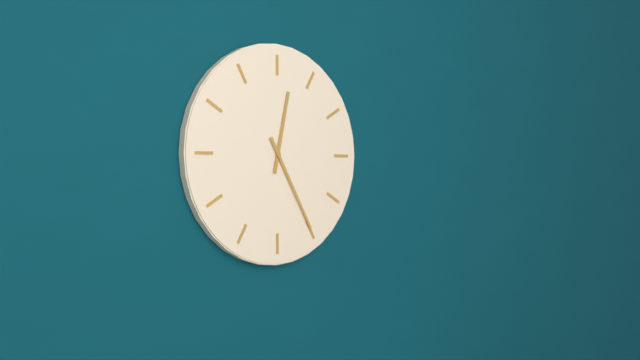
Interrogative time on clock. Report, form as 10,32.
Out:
12,25
